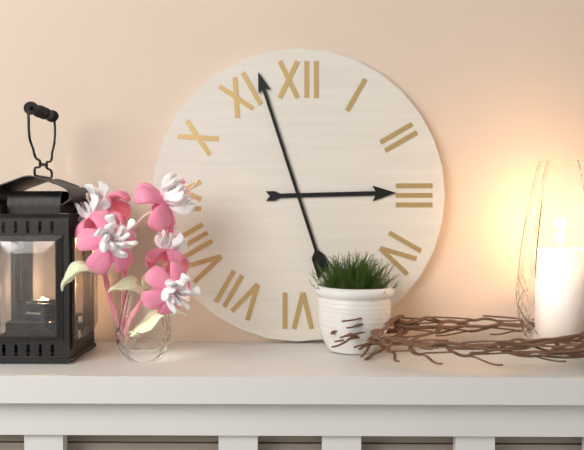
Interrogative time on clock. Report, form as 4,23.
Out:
2,57
